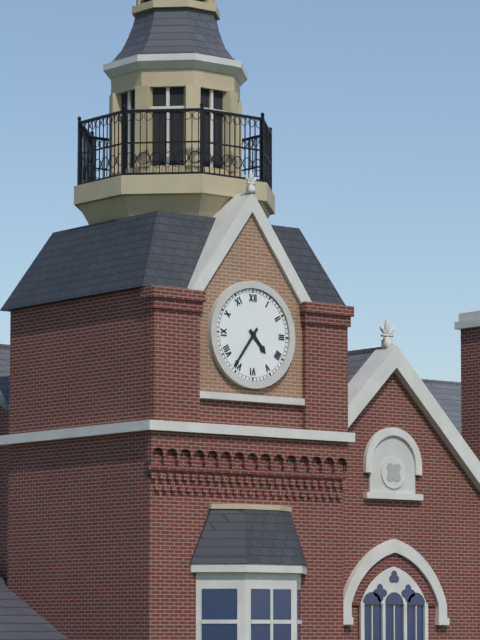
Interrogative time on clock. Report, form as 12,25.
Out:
4,36
